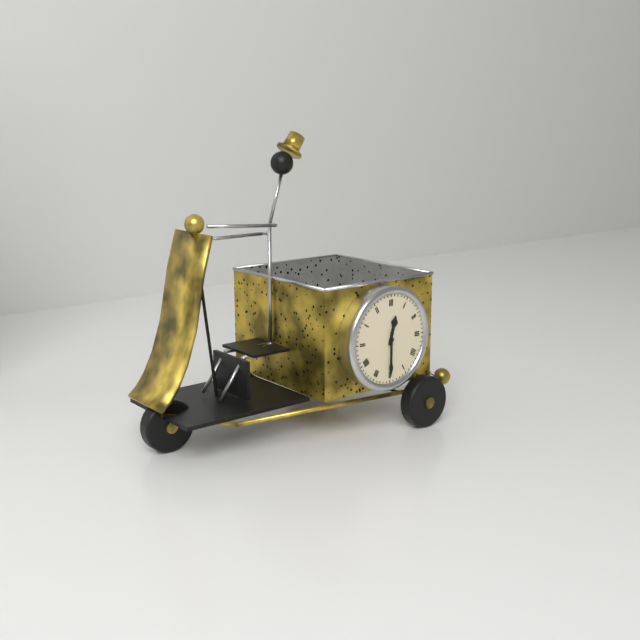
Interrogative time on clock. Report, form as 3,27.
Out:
12,30
